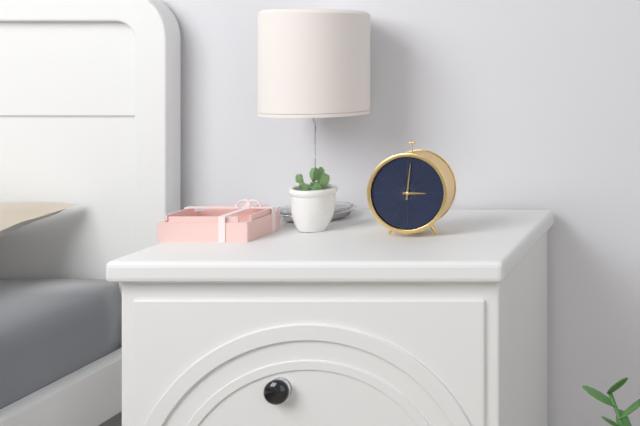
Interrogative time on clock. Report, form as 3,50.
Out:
3,01
